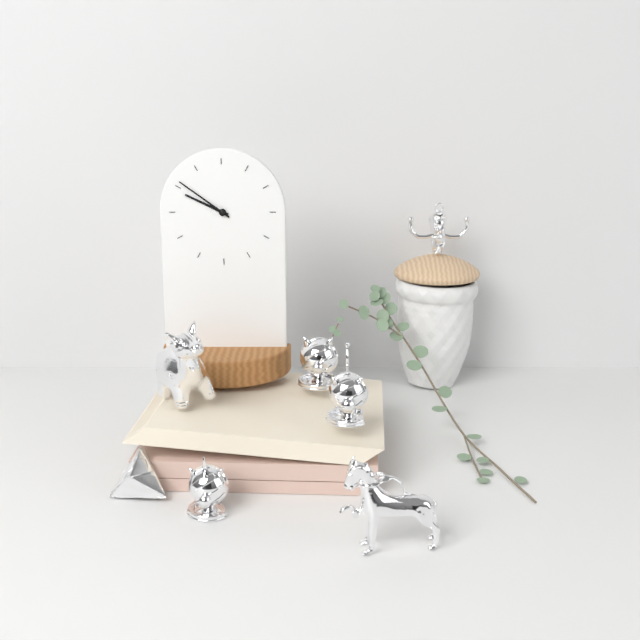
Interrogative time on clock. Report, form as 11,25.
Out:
9,51
